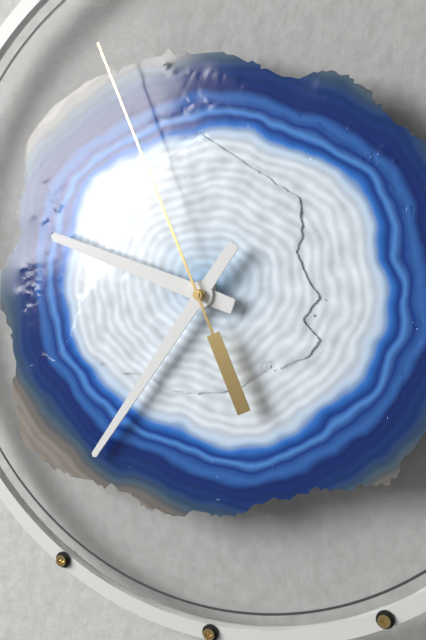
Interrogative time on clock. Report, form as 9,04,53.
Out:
9,36,56
